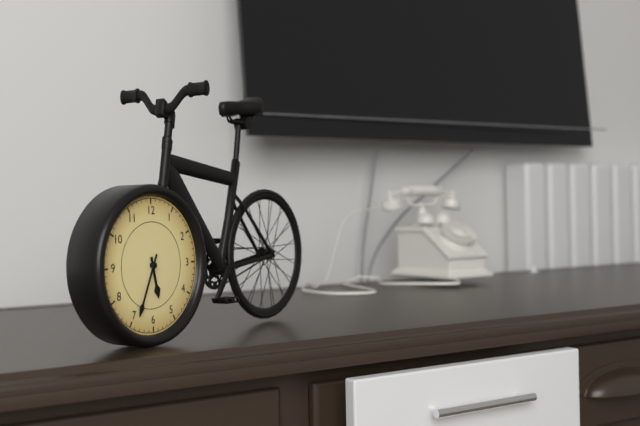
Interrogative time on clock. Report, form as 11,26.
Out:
5,34
